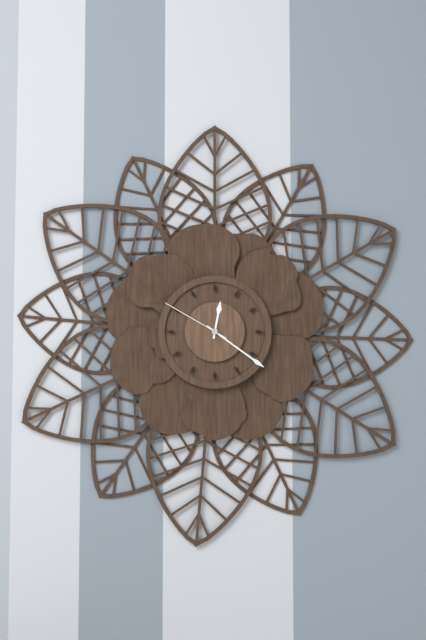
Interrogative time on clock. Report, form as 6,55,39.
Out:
12,21,50
